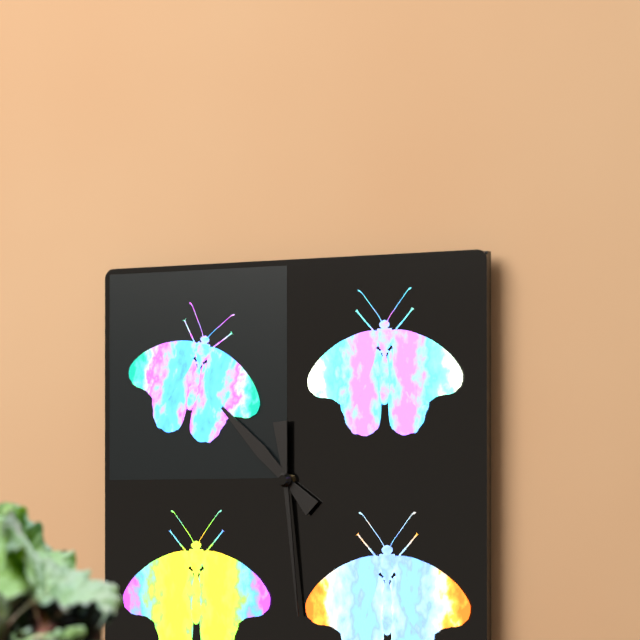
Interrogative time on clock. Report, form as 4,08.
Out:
10,29
